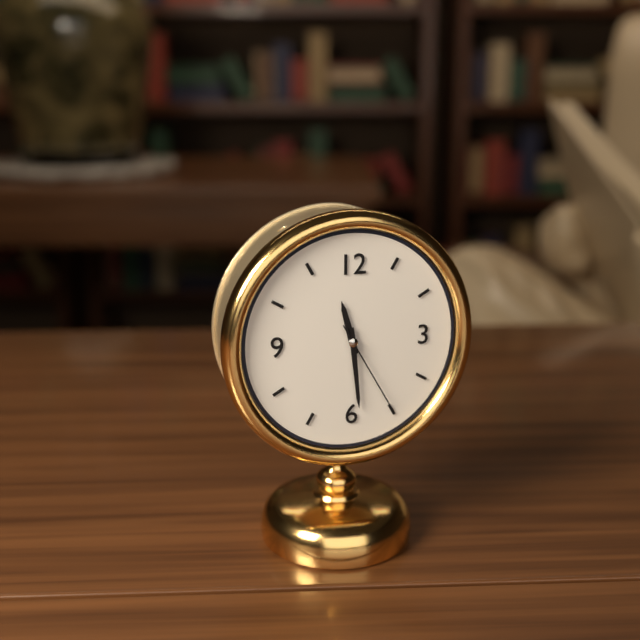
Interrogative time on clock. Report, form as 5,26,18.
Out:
11,29,25
